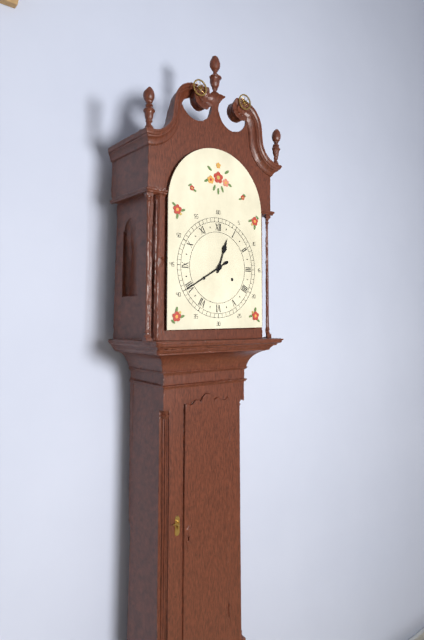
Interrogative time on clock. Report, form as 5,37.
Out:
12,40
